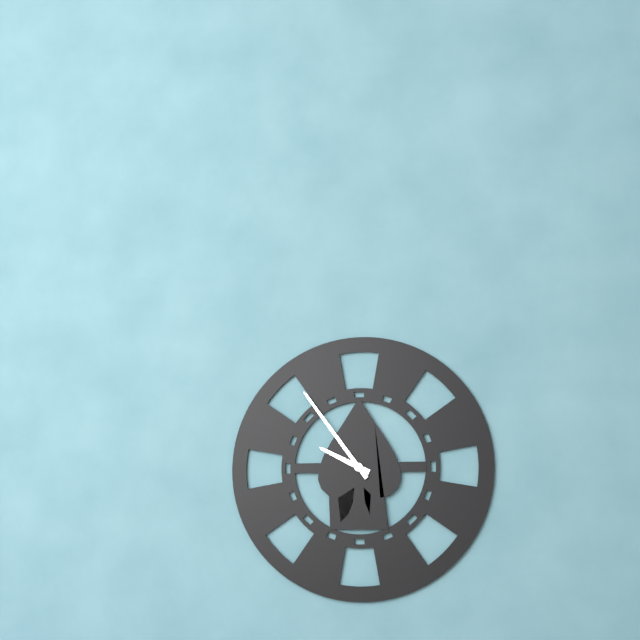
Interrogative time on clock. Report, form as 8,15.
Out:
9,54
